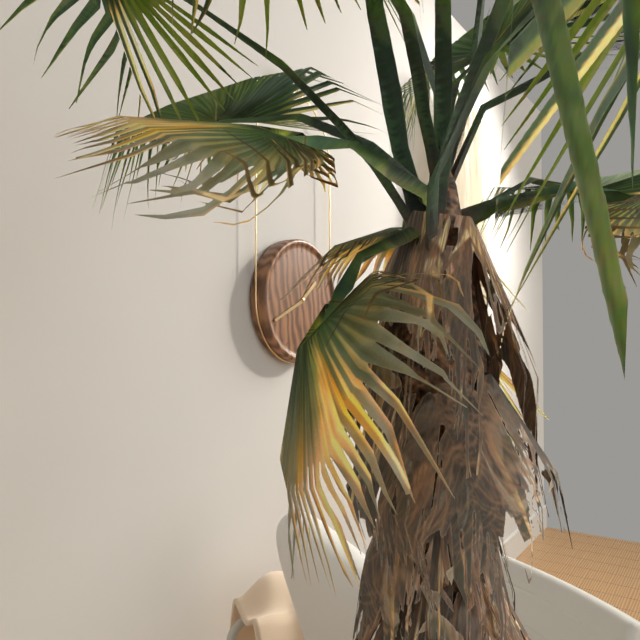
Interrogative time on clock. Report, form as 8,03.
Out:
1,41
